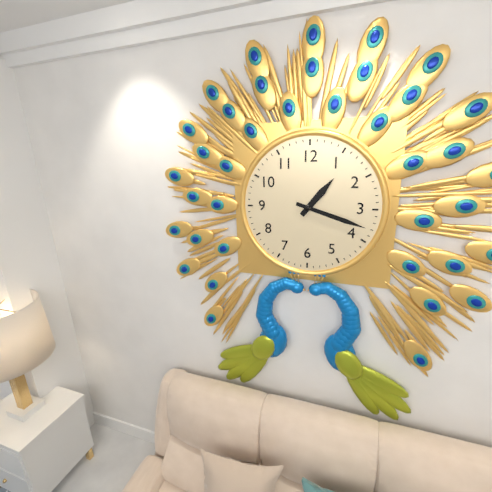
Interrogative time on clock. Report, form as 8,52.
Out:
1,18
